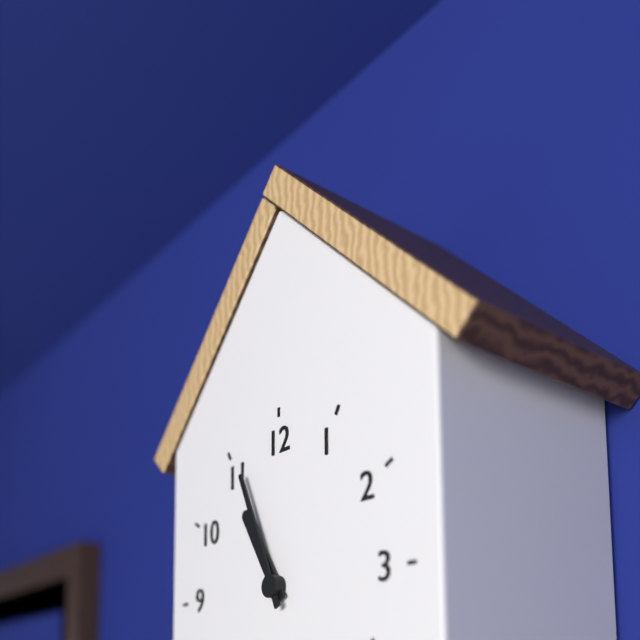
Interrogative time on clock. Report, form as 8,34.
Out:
10,56
